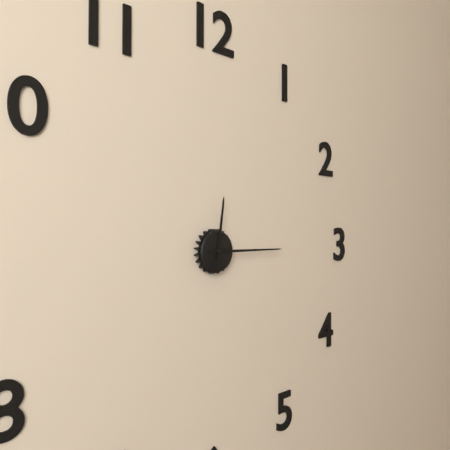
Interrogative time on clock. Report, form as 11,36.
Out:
12,15
